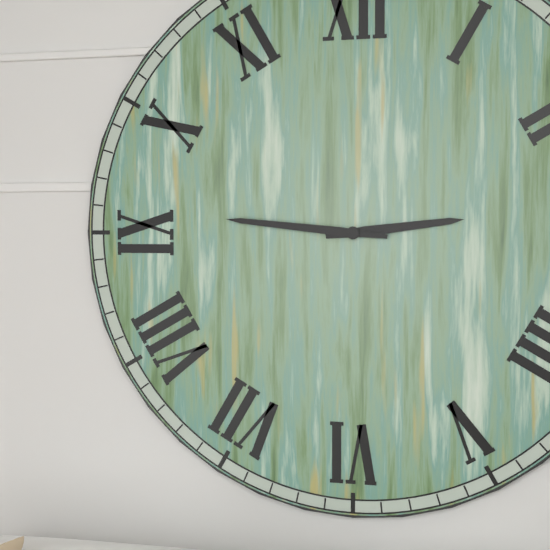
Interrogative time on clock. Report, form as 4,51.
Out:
2,46
